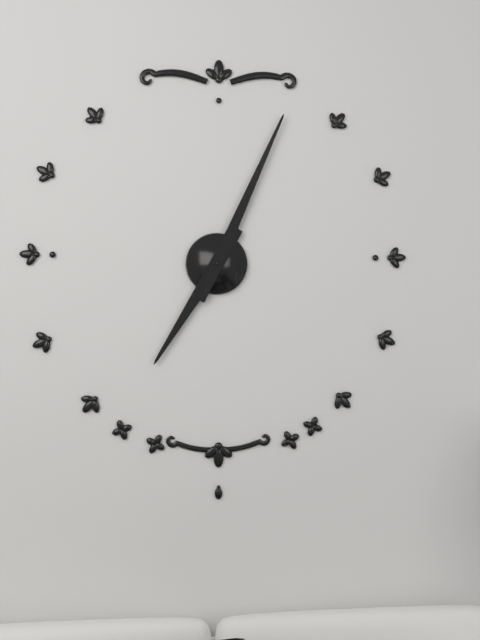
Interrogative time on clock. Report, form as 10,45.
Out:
7,04
